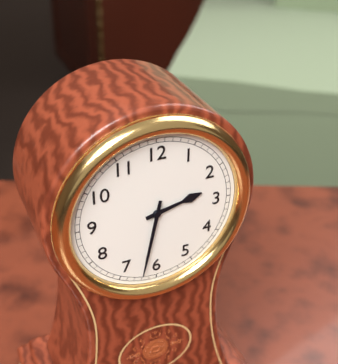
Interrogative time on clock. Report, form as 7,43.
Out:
2,32
